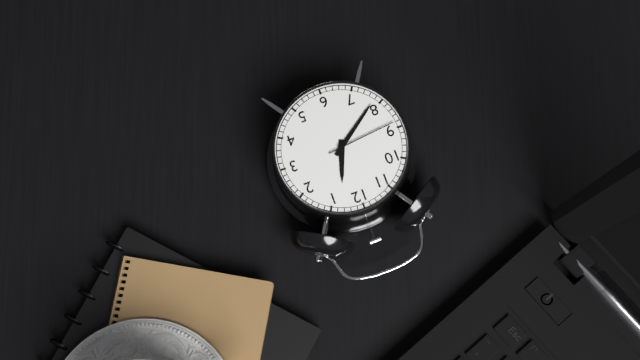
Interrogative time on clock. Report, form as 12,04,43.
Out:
12,39,44
